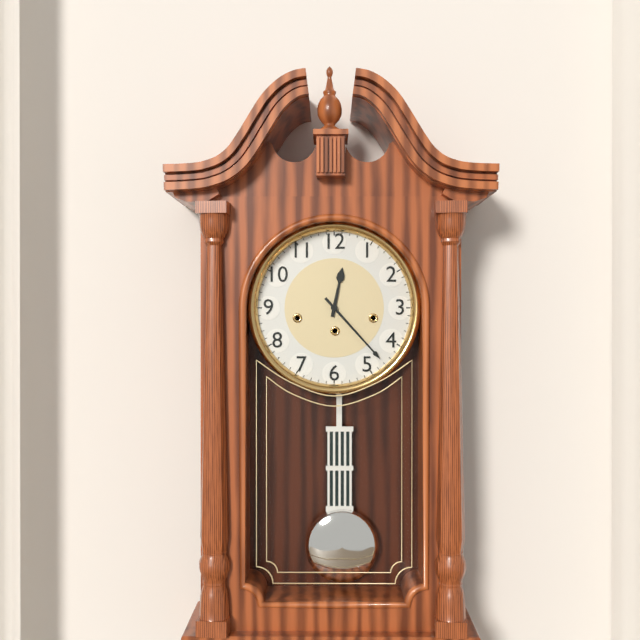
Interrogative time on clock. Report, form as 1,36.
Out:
12,23
